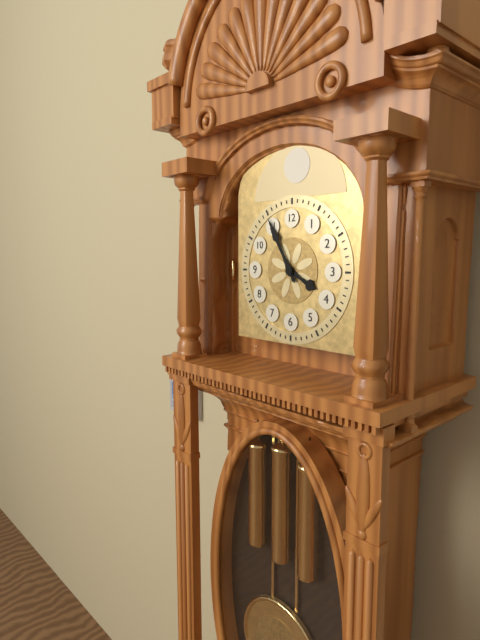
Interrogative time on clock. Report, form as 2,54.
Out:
3,55
